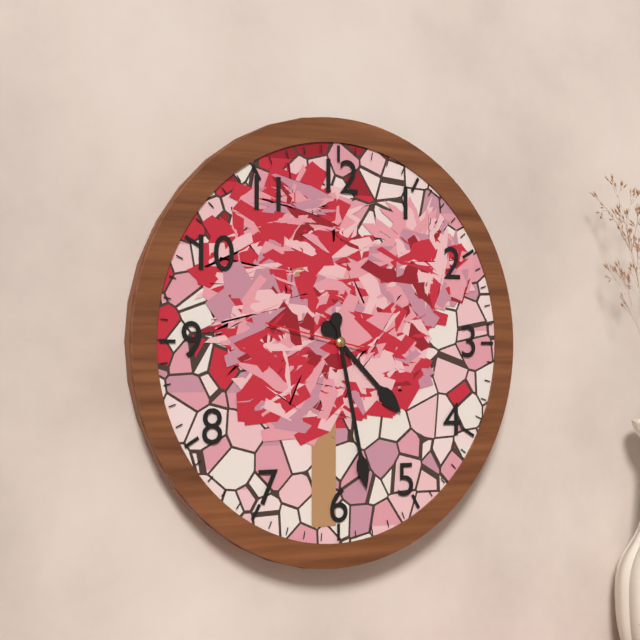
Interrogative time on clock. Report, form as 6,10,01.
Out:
4,28,47
